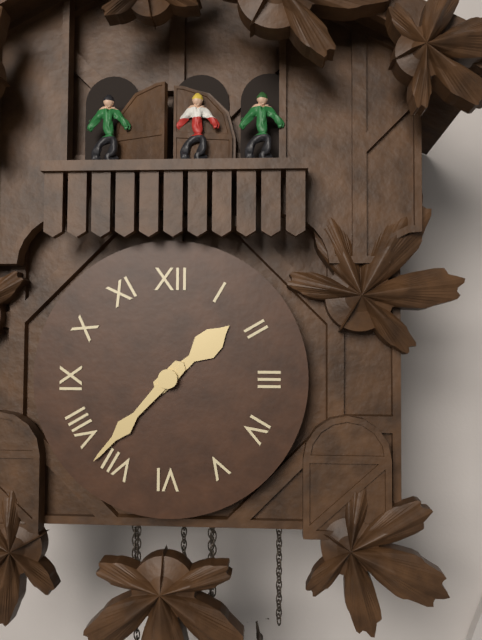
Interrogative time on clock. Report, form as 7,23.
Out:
1,37
